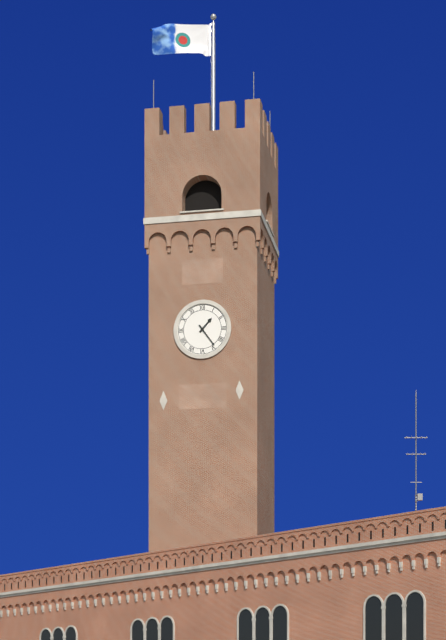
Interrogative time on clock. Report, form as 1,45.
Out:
1,24
